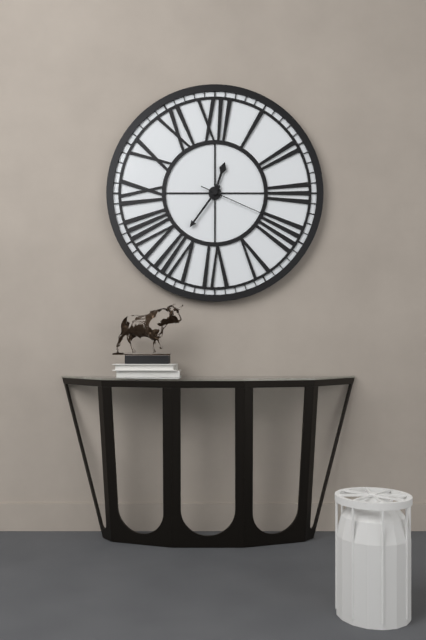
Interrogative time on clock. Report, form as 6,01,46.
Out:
12,36,19
